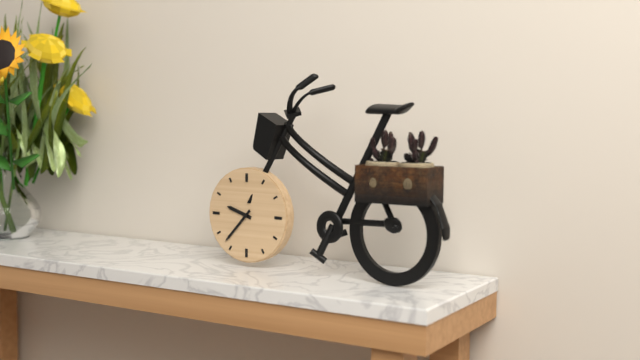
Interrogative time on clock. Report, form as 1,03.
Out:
9,37
